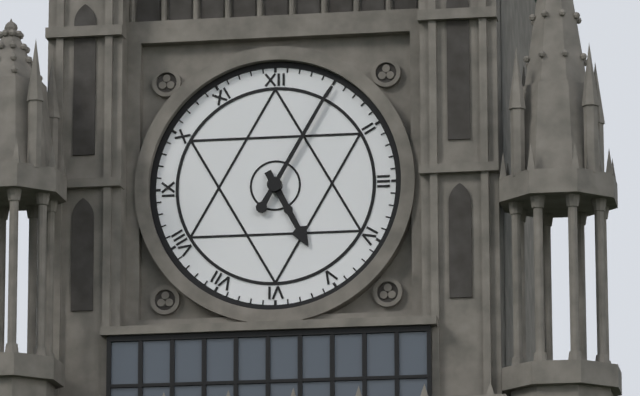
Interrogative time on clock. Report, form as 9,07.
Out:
5,05
